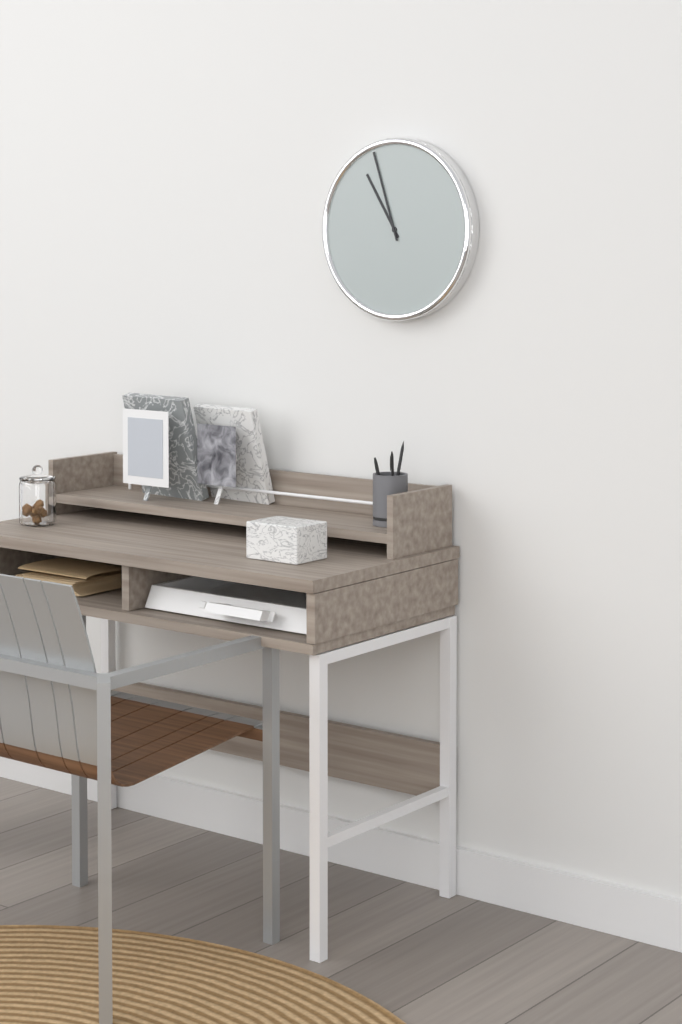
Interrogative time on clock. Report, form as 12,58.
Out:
10,57
